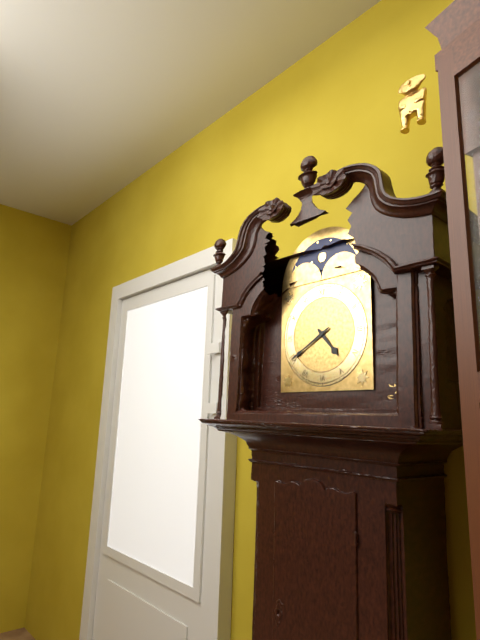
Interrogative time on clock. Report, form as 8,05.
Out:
4,40
